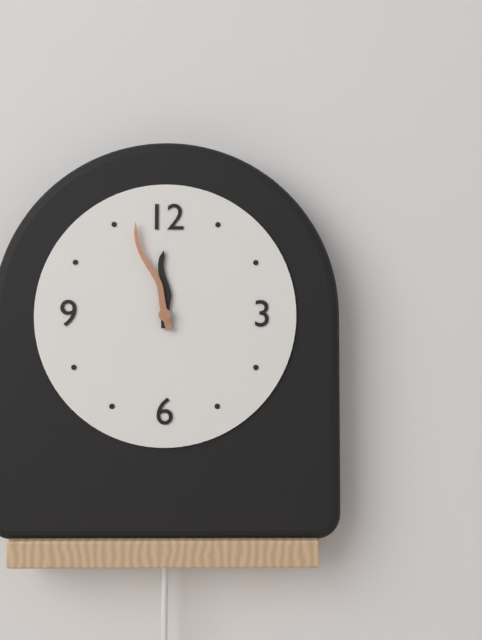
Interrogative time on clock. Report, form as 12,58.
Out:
11,57
